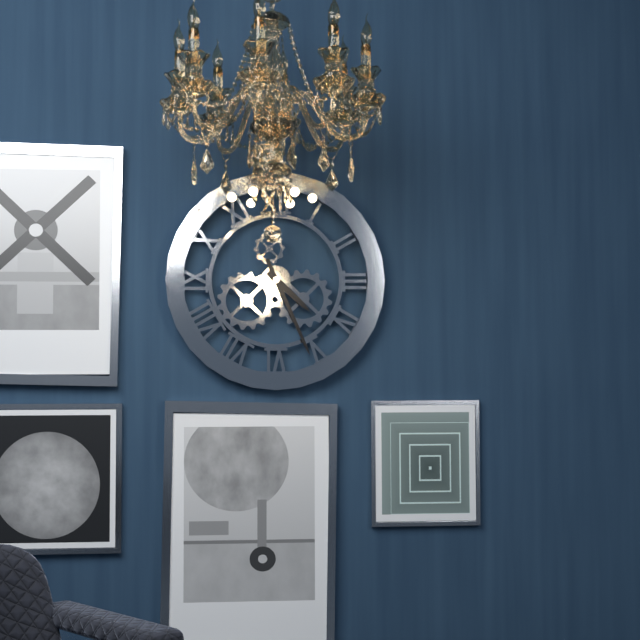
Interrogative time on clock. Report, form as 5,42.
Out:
4,26
